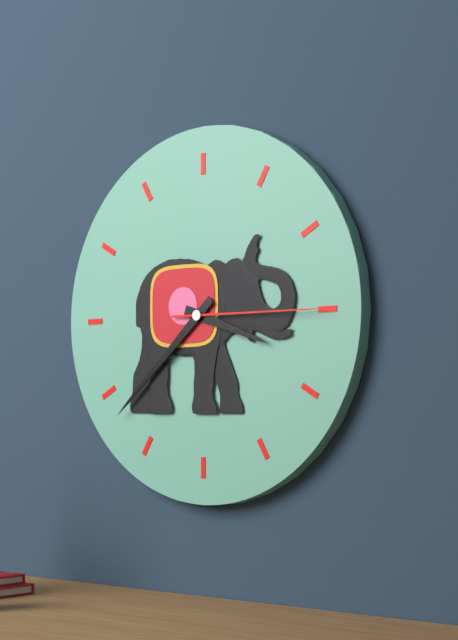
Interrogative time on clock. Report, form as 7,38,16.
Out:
3,38,15
